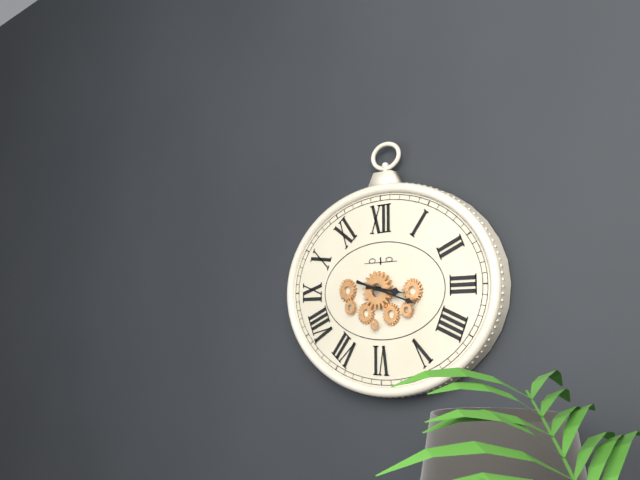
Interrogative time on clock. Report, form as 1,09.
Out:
3,18
